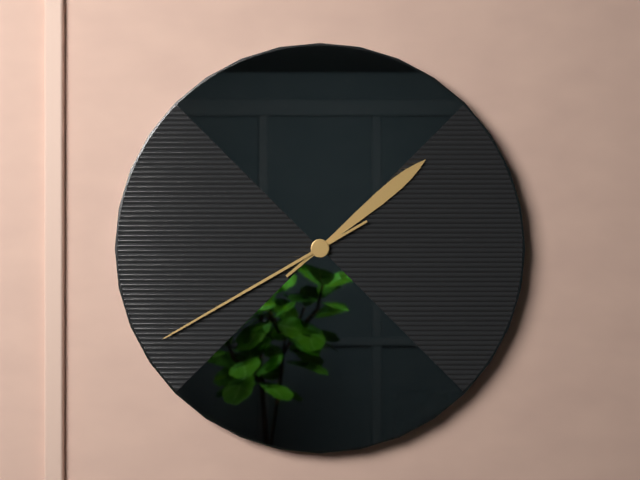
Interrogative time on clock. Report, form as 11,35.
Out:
1,40
